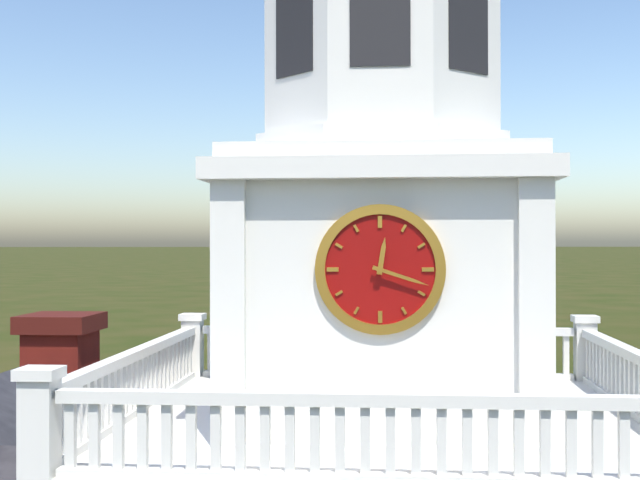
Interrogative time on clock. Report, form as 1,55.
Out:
12,18
